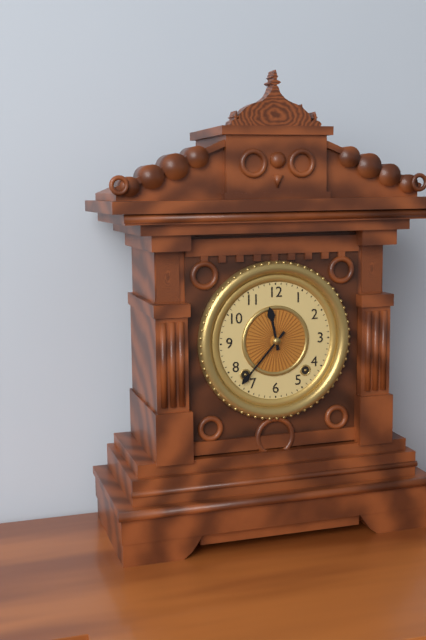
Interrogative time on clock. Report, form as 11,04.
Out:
11,37
